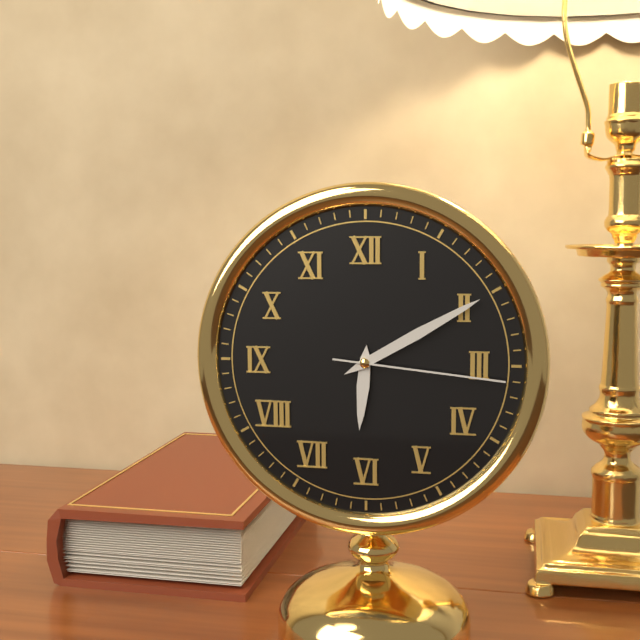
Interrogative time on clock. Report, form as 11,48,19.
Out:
6,10,16
